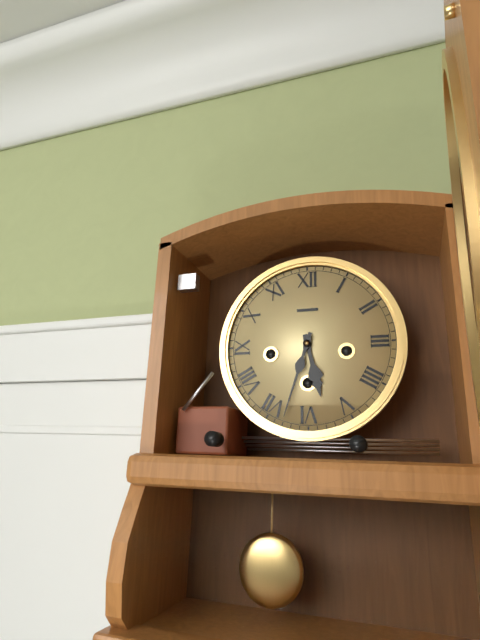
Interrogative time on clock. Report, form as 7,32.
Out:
5,33
